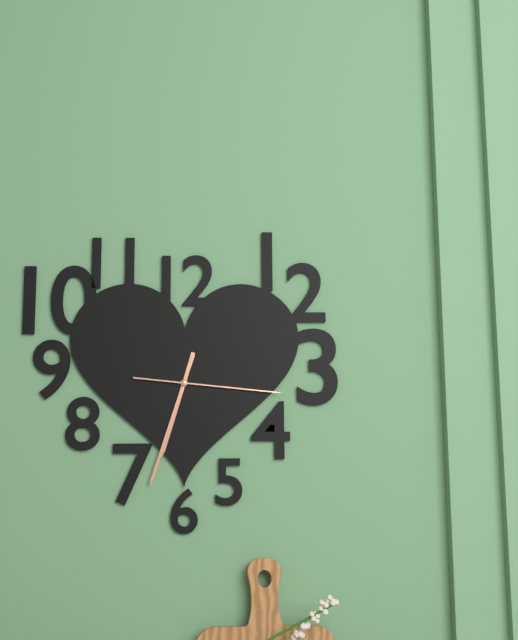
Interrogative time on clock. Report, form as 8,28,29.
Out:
6,33,16
